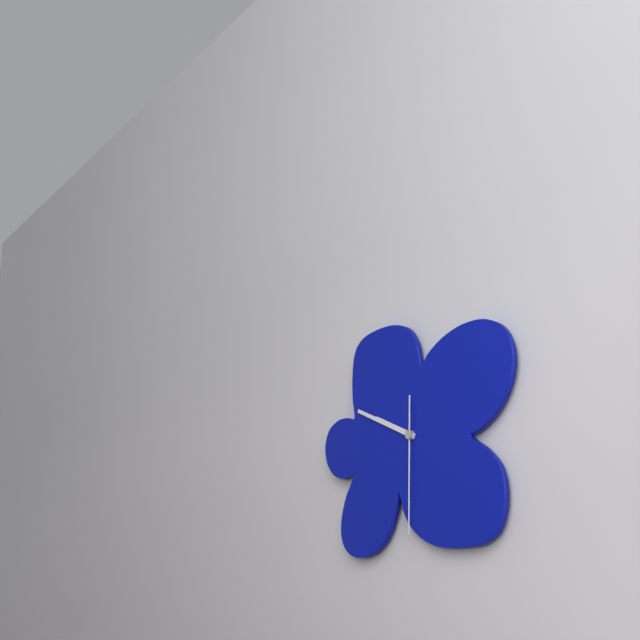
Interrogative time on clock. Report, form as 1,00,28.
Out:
9,49,30
